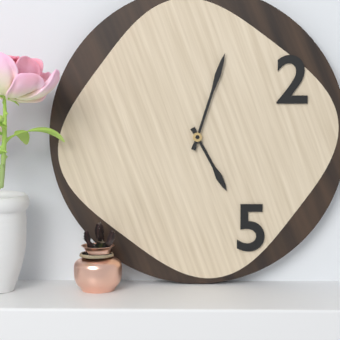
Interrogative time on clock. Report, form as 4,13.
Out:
5,03
